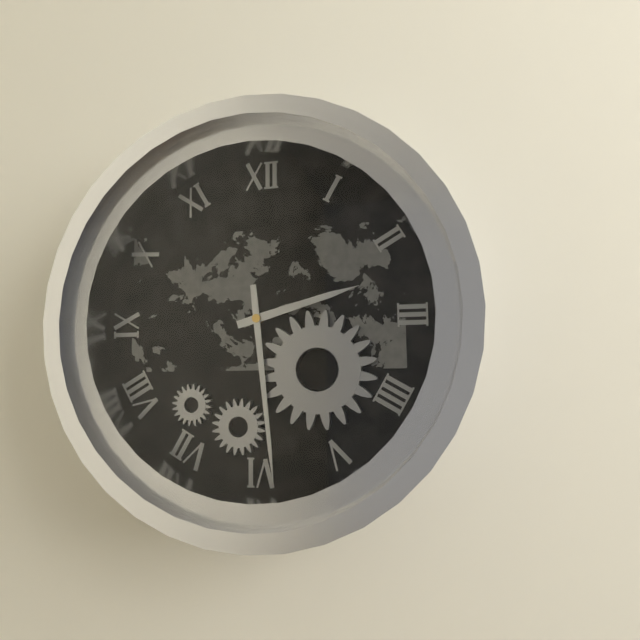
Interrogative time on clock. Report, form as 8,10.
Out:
2,29
